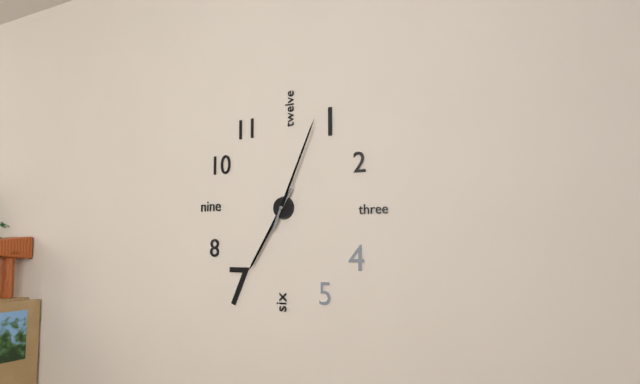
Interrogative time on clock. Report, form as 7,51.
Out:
7,04
